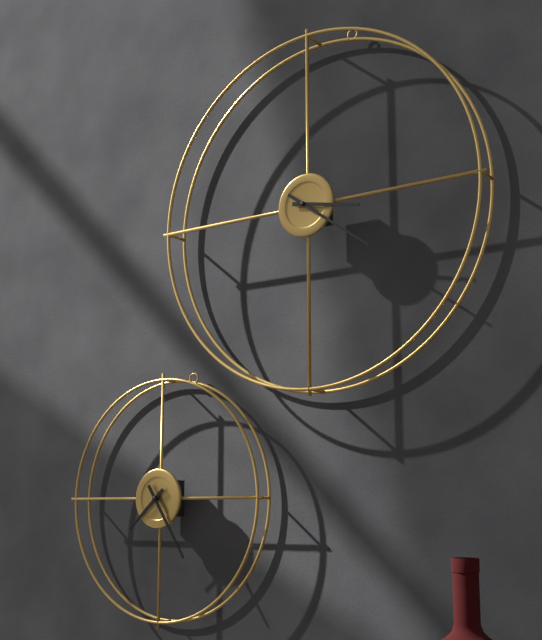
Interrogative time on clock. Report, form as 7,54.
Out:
3,21
